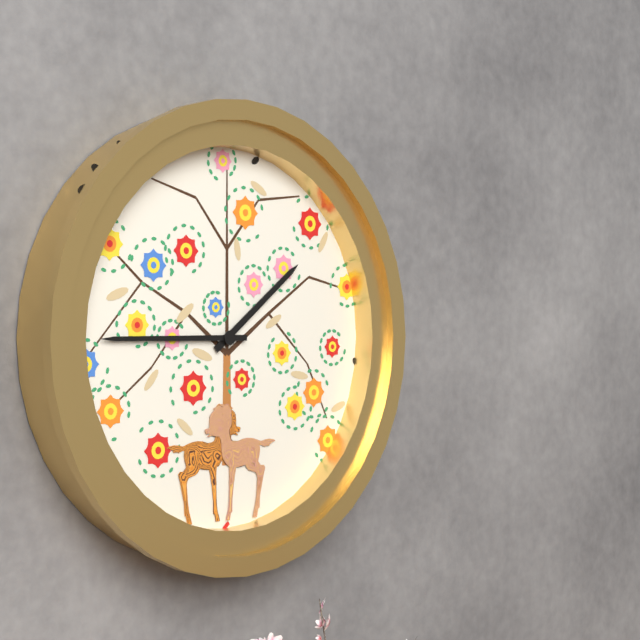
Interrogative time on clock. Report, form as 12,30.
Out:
1,45
